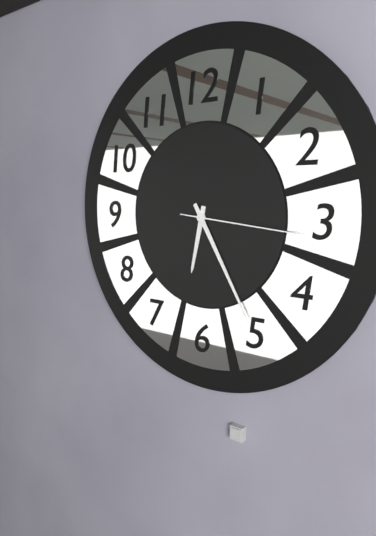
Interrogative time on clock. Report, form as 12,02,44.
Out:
6,25,16
